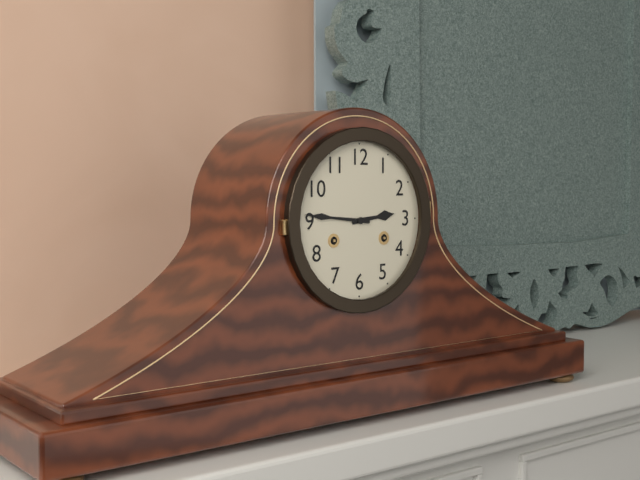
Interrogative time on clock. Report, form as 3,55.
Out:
2,46
